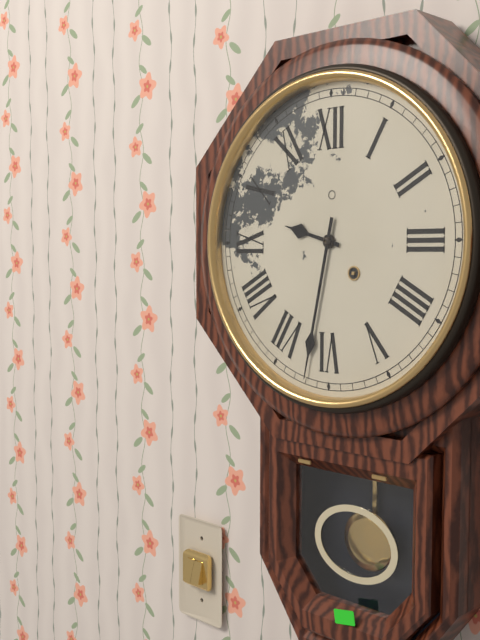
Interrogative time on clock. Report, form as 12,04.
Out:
9,32
